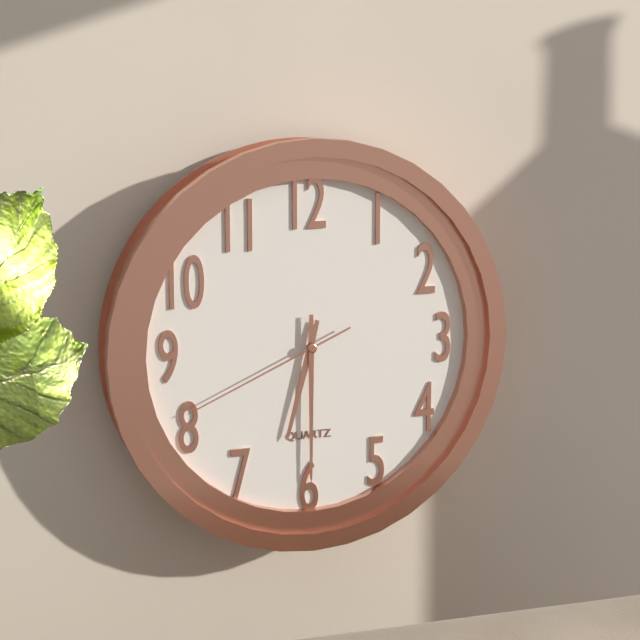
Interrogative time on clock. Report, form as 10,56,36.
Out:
6,30,41
